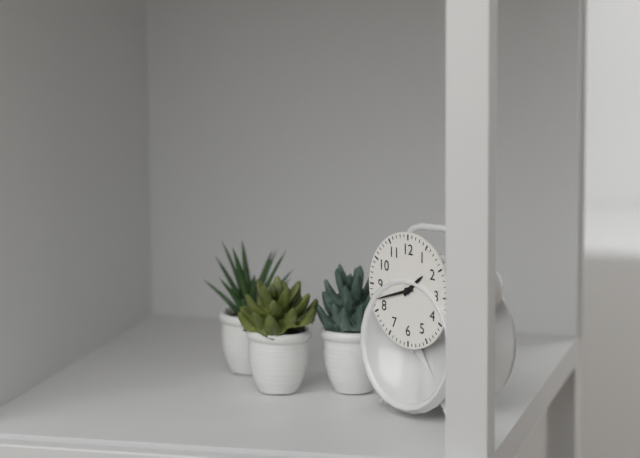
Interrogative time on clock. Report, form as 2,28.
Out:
1,42
